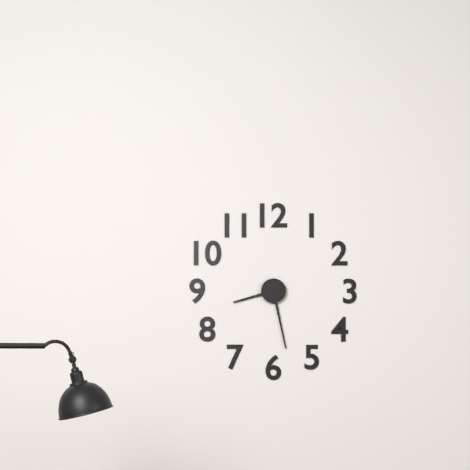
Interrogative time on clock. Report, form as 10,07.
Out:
8,28
